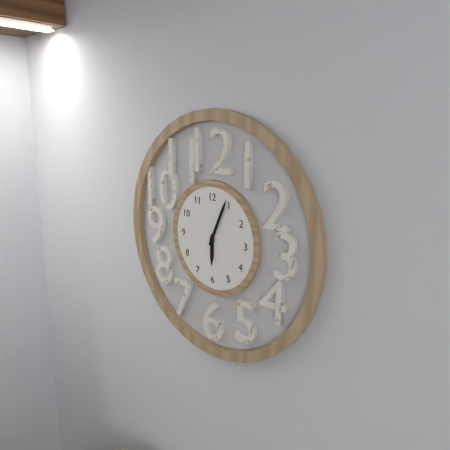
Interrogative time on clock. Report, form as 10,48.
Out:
6,04
